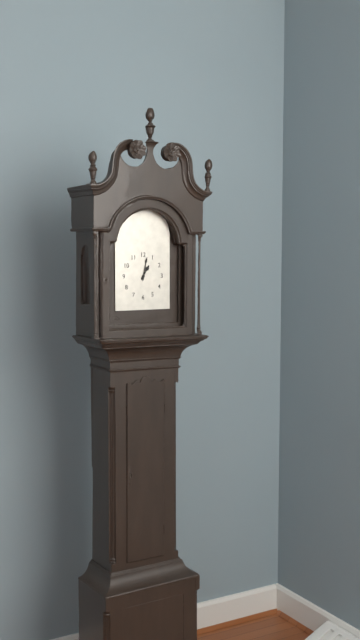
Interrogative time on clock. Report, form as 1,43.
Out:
1,02
